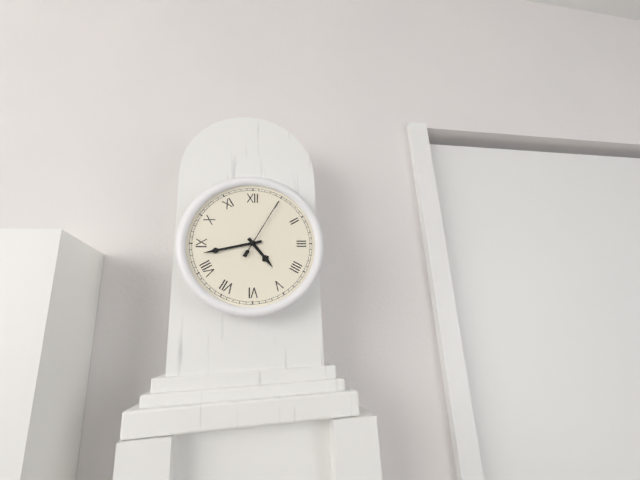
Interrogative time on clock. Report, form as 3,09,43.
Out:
4,43,05
